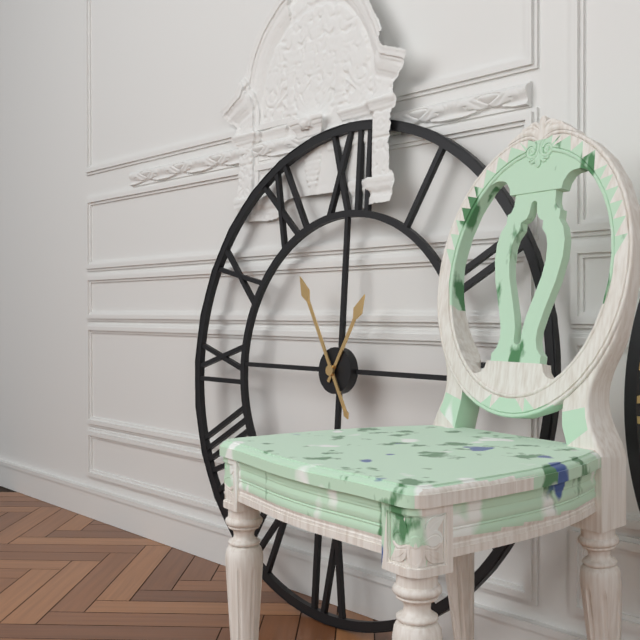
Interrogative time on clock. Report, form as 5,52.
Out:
12,55
